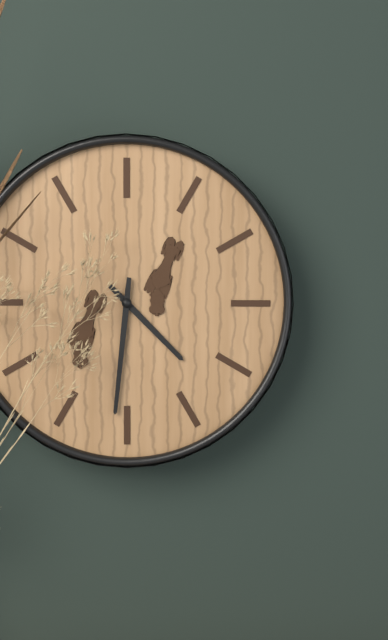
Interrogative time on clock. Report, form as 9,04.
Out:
4,31
